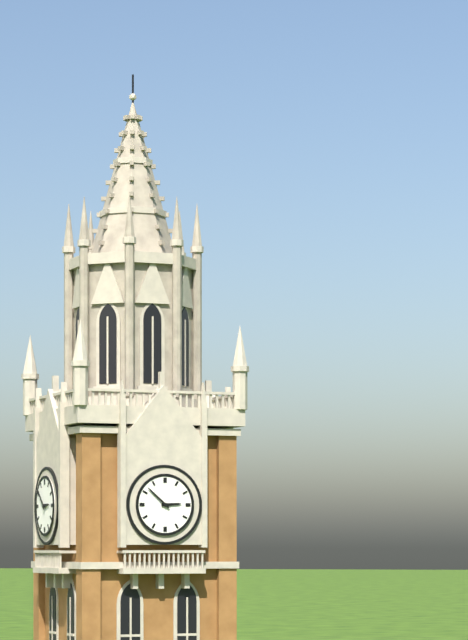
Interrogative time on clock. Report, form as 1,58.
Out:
2,52
